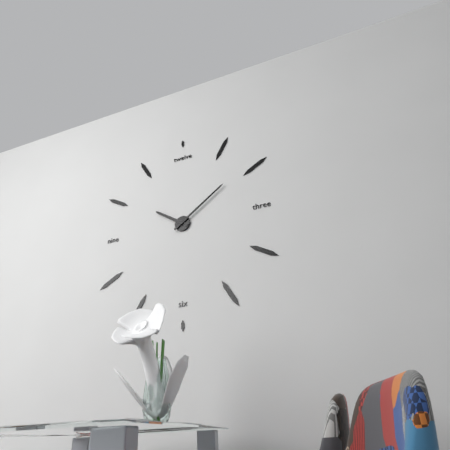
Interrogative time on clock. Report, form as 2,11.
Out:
10,09
